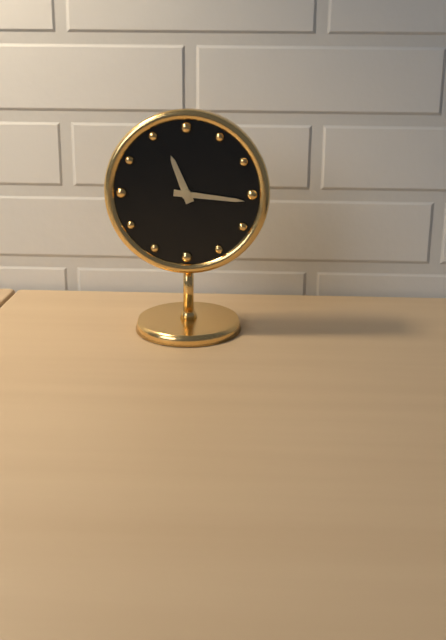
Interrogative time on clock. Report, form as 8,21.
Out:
11,16
